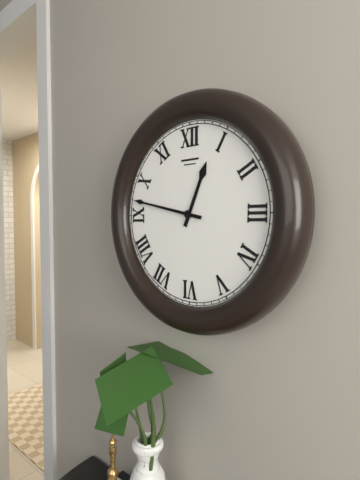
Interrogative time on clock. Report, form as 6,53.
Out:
12,47
